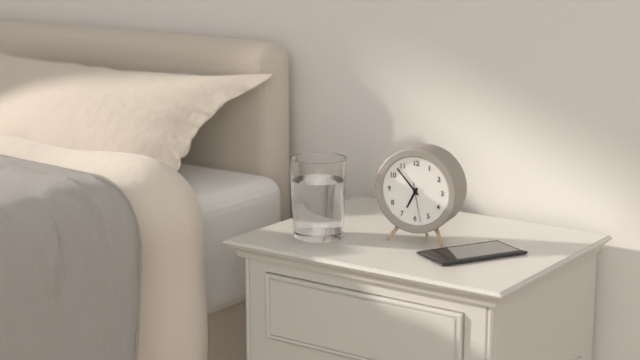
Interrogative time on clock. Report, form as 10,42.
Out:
6,53
